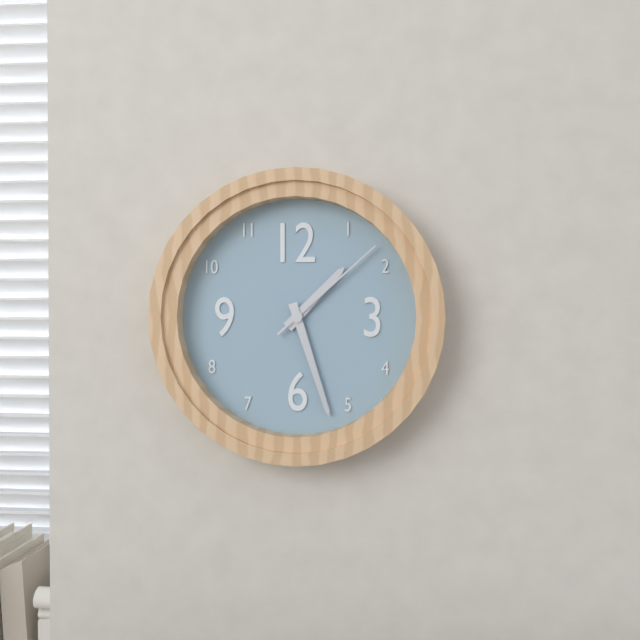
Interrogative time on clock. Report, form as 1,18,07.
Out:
1,27,08
